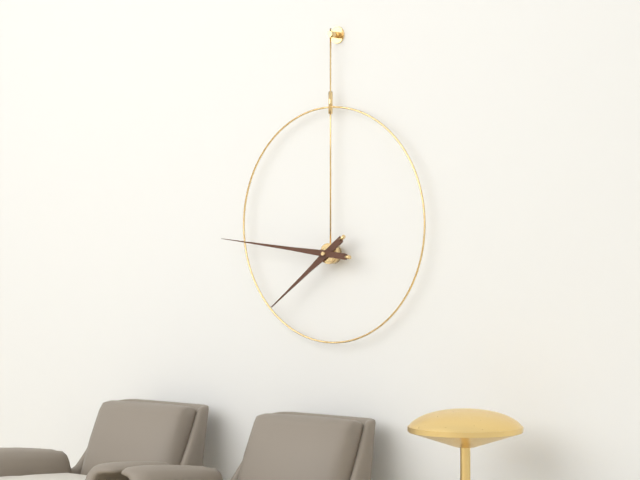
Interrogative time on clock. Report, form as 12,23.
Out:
7,46
